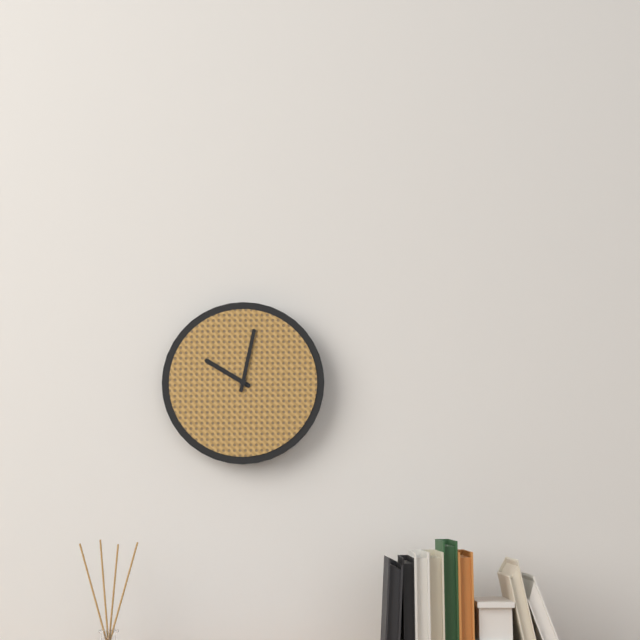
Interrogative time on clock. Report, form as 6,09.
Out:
10,02
